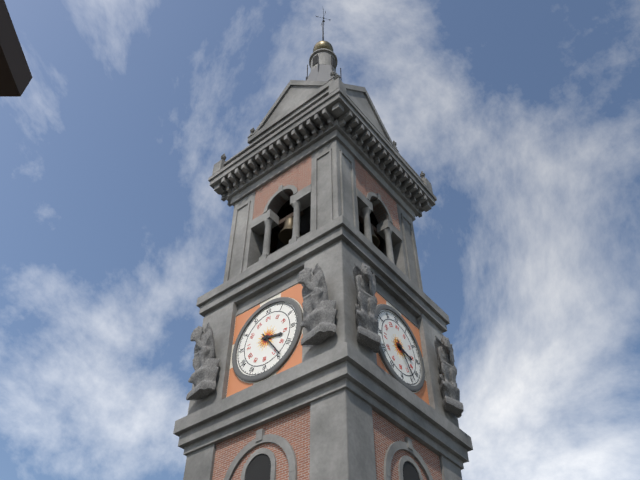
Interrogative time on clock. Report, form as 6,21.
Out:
3,24
